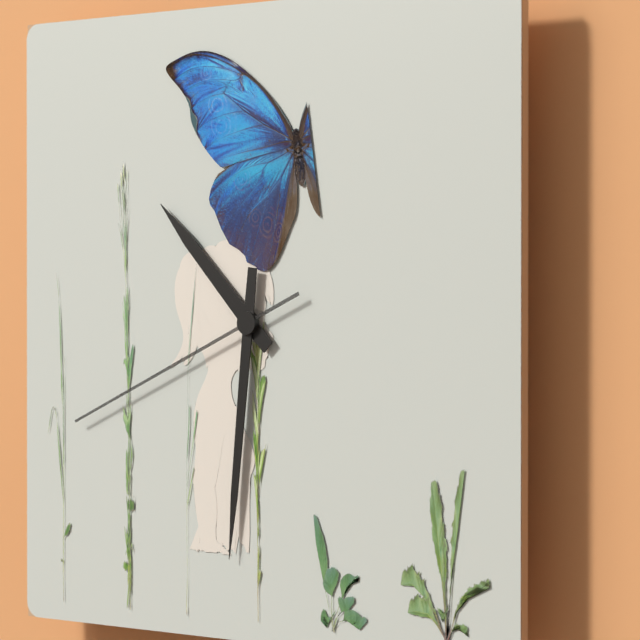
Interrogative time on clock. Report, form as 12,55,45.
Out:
10,31,41
